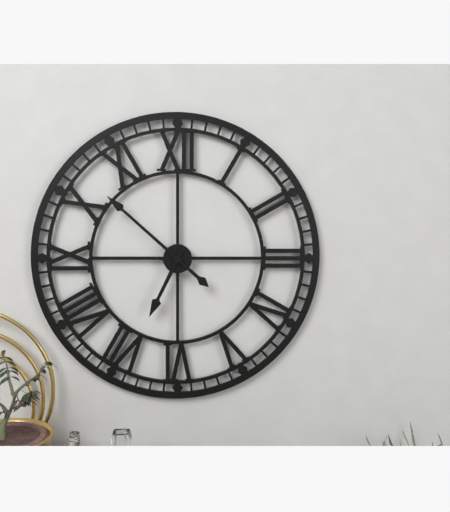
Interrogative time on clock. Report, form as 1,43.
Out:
6,52
